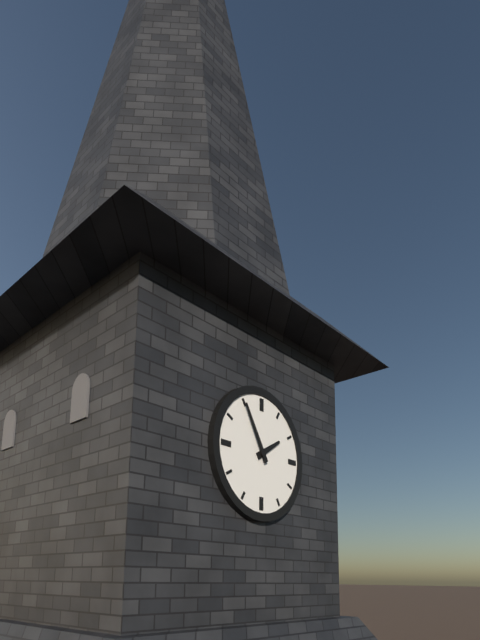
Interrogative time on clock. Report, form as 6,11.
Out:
1,55
